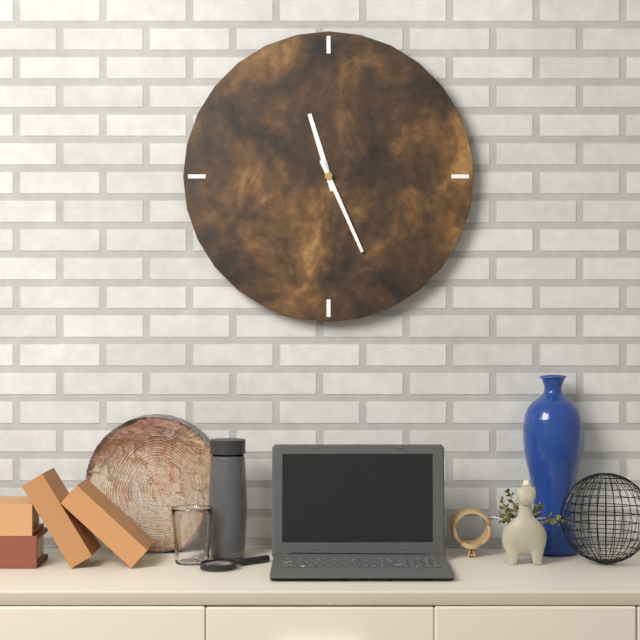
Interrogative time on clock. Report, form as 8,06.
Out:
11,26
